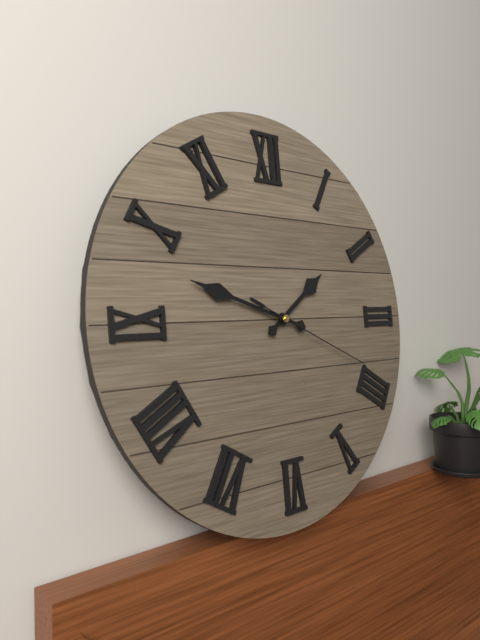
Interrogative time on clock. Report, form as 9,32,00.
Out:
1,48,19
